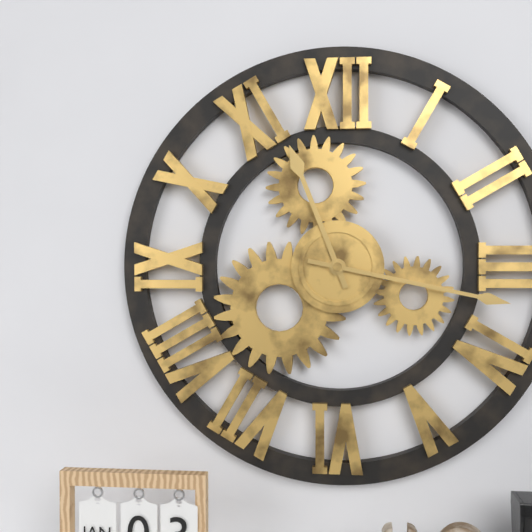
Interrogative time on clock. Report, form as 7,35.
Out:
11,17
